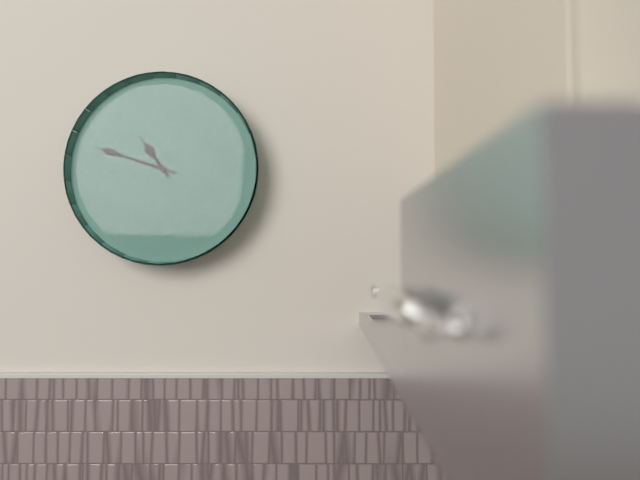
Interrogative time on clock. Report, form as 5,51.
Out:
10,48
